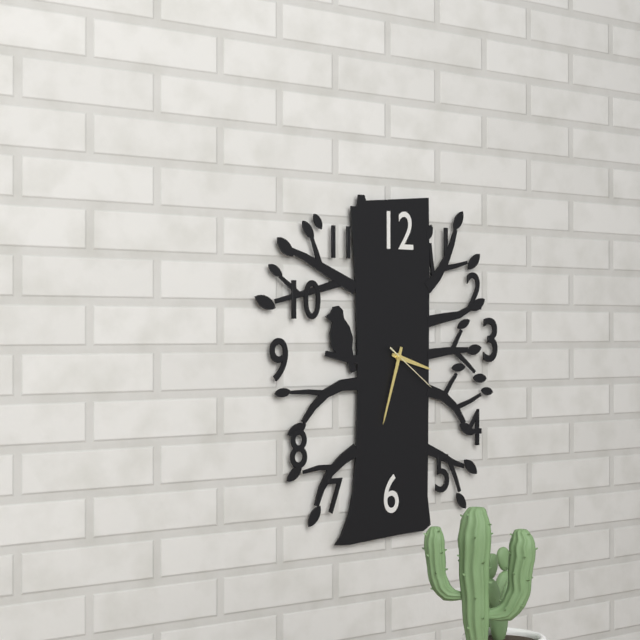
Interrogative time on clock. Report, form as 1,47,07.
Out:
3,33,21
